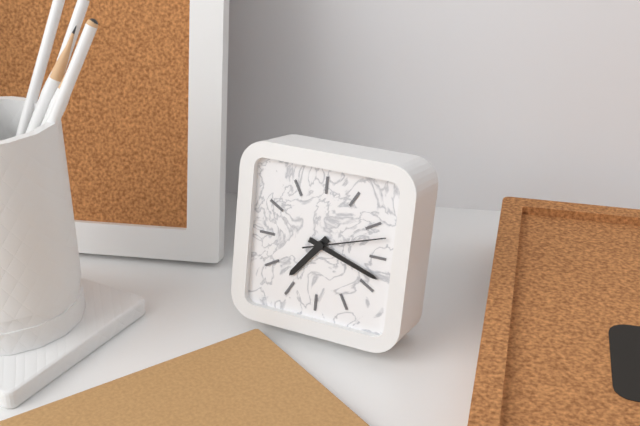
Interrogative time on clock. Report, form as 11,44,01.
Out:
7,18,12
